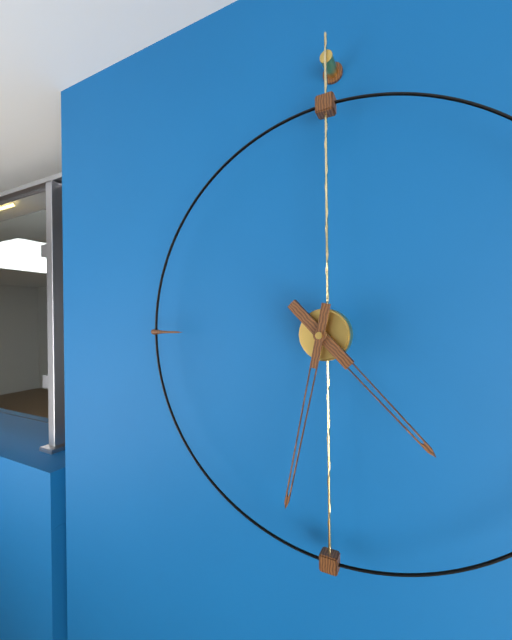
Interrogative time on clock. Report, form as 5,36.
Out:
4,32
